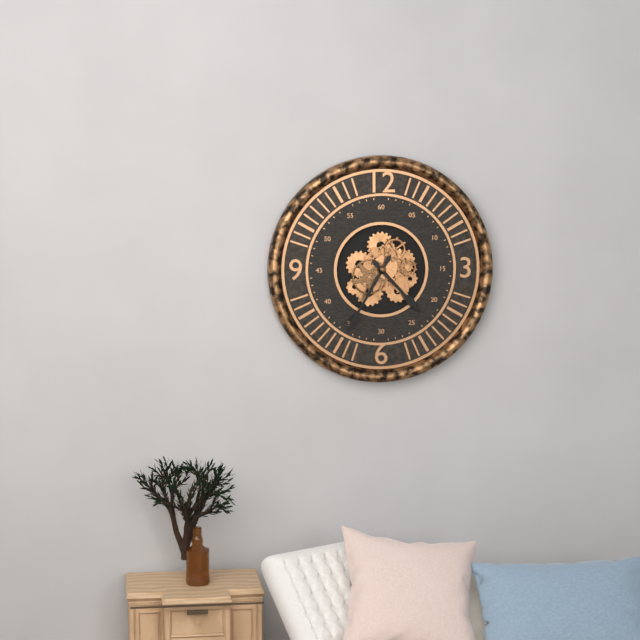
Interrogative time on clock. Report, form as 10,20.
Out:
4,35
